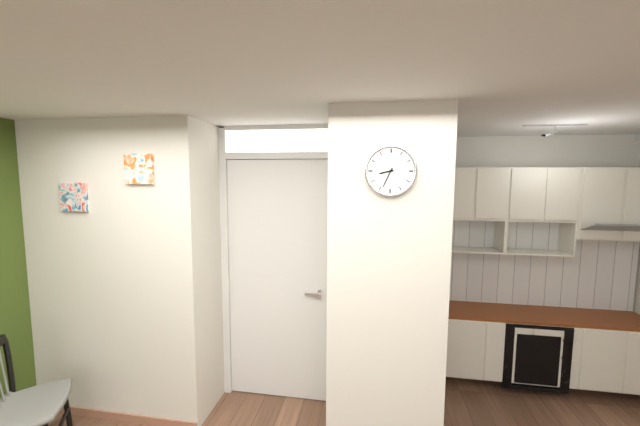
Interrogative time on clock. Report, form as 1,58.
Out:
8,34
